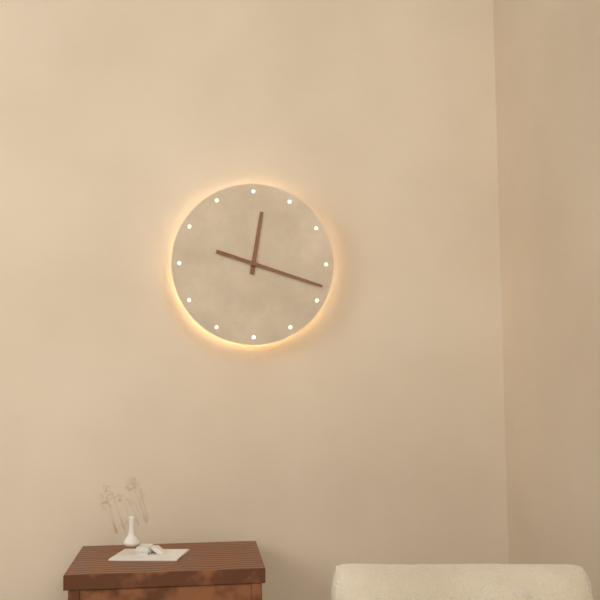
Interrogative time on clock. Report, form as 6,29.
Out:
12,18
